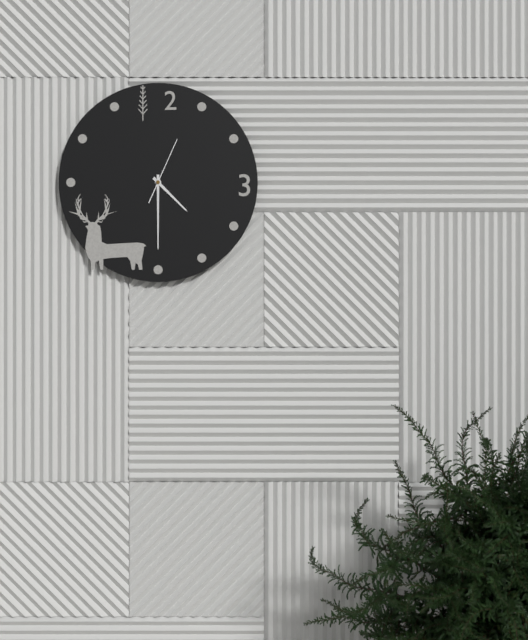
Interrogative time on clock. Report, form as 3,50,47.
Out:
4,30,04
